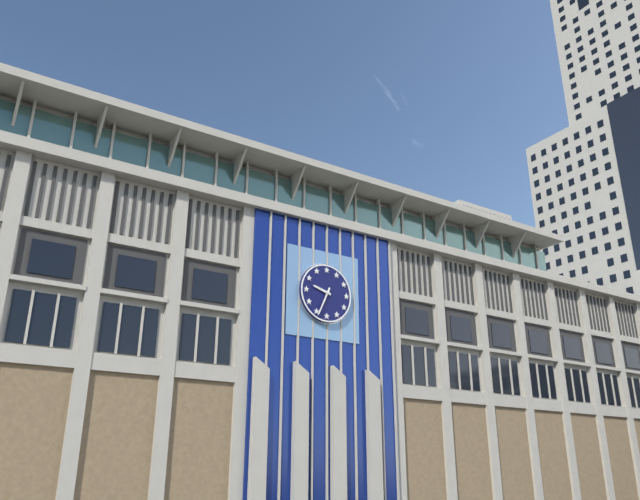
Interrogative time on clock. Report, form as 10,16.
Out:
9,34
